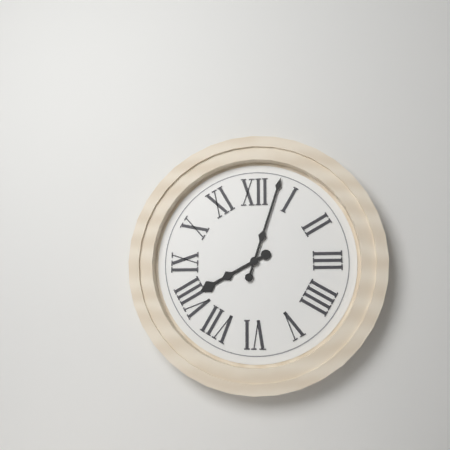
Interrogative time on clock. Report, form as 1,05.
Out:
8,03
